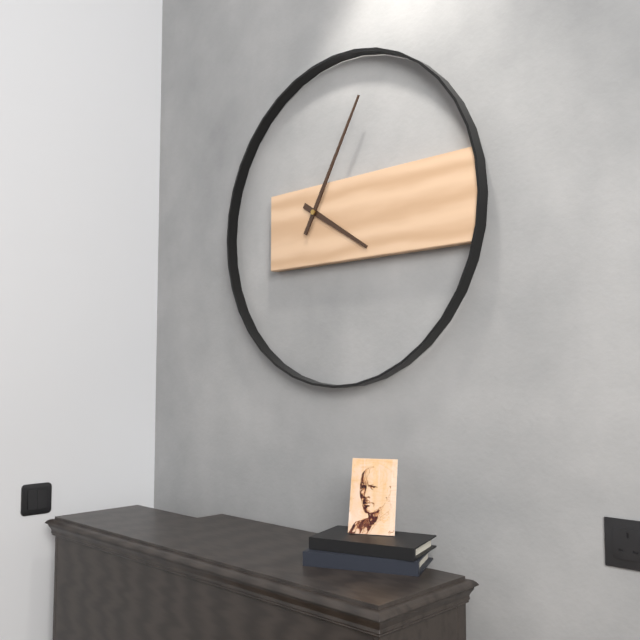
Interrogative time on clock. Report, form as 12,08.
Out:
4,05
